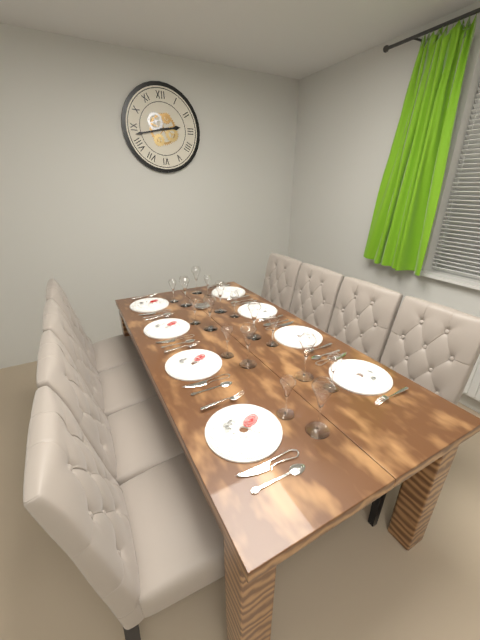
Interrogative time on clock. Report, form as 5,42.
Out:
2,43
